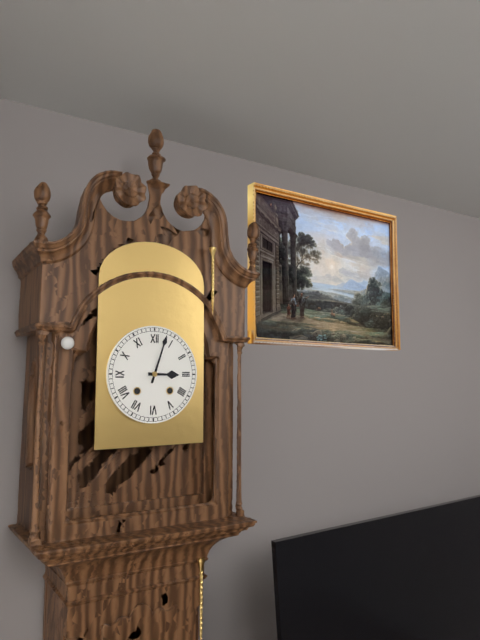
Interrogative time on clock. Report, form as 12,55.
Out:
3,03
